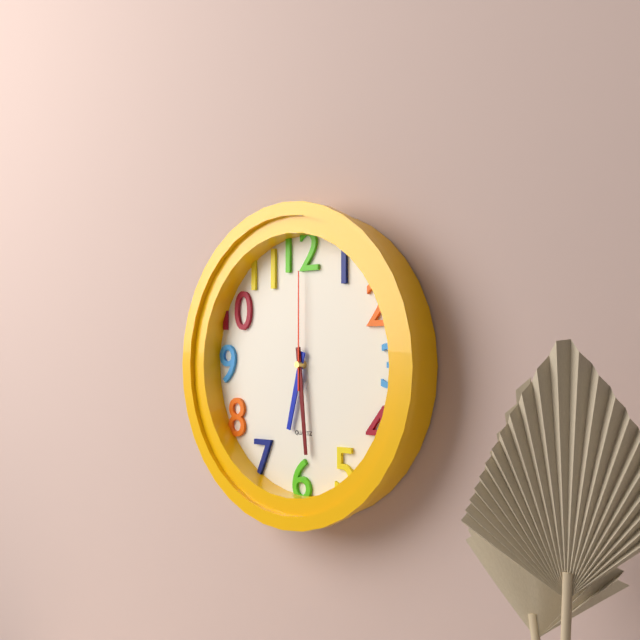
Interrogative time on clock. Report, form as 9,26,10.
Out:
6,29,00
